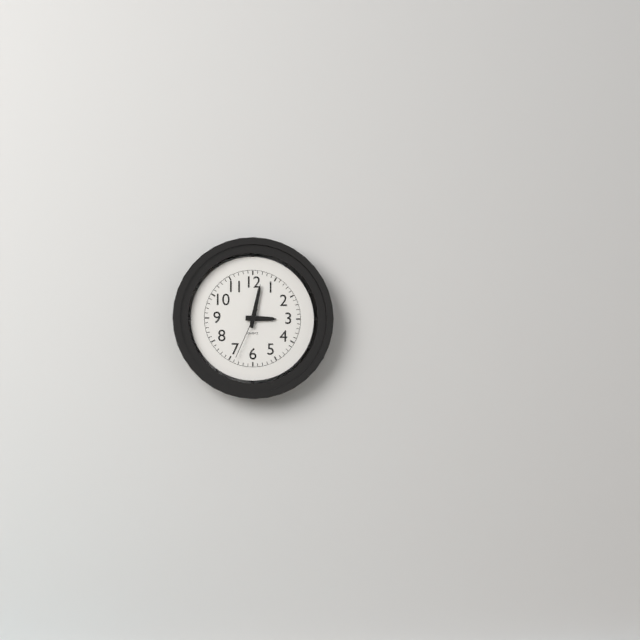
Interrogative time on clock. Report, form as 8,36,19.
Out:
3,02,34
